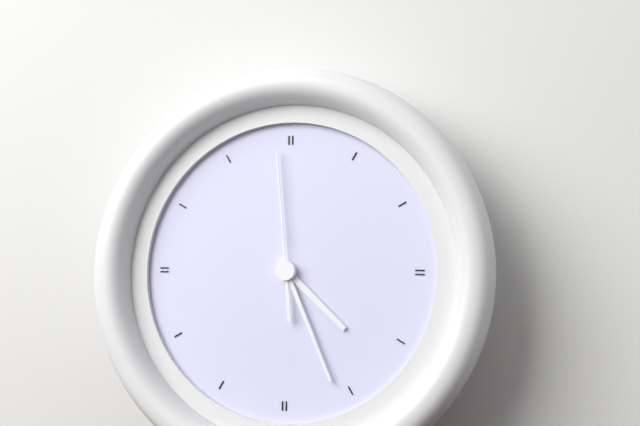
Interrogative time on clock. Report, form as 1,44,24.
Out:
4,26,59
